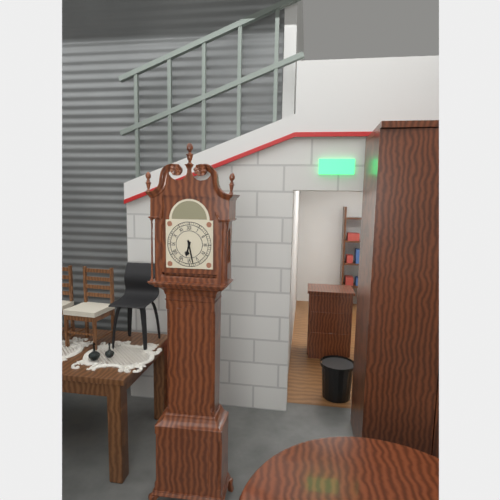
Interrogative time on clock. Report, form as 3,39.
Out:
6,28
